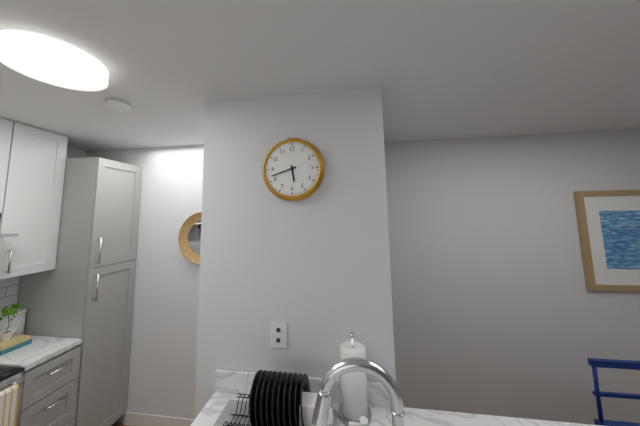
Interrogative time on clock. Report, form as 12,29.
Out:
5,42
